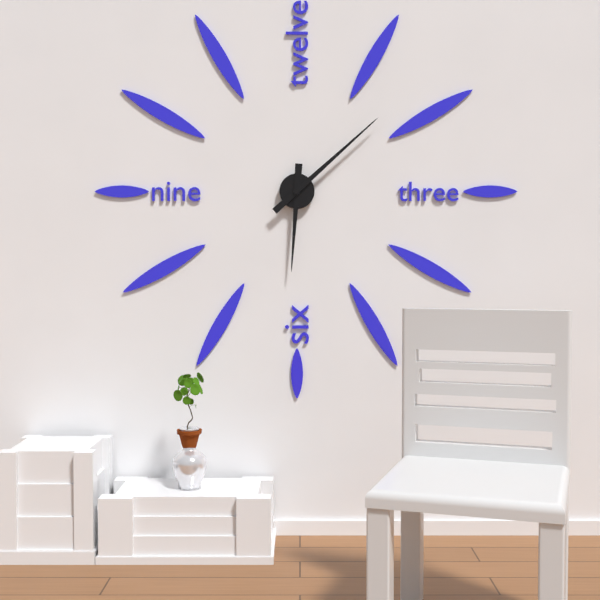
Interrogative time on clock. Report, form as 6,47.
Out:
6,08
